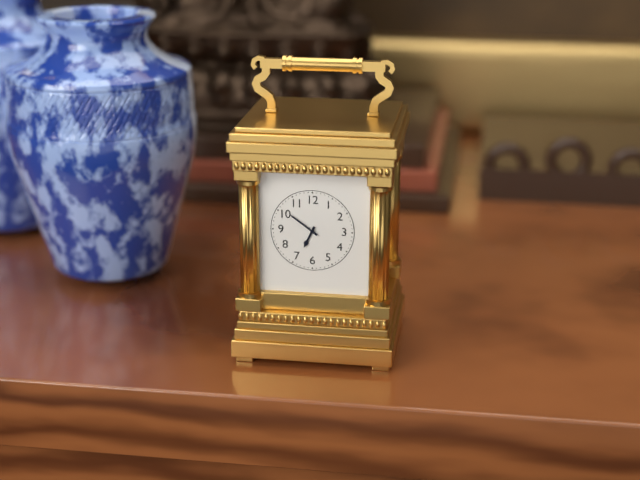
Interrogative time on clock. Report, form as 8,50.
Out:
6,51
